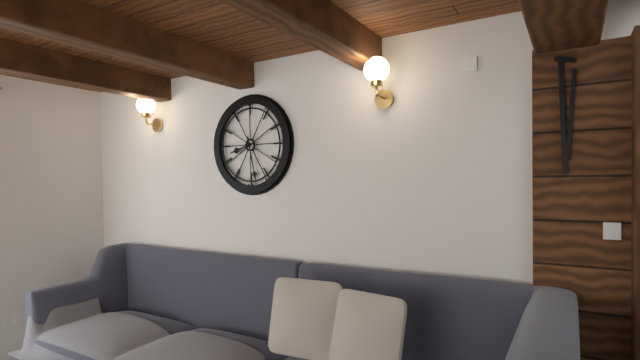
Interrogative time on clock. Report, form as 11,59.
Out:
8,28
